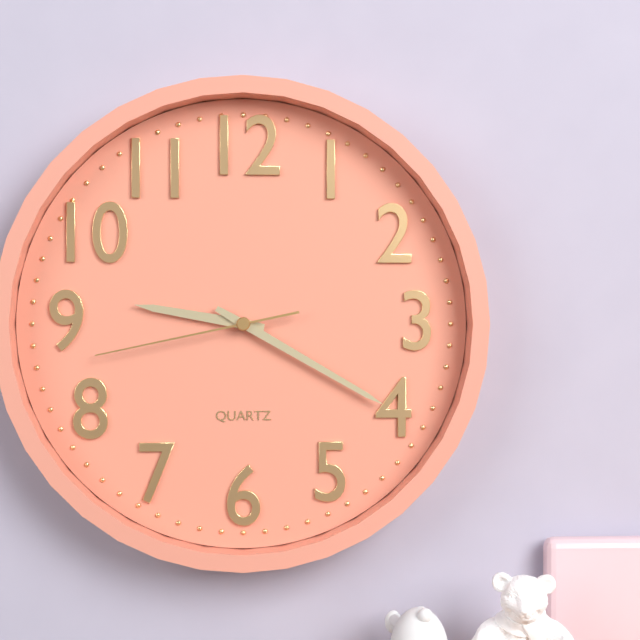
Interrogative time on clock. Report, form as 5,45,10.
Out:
9,20,43
